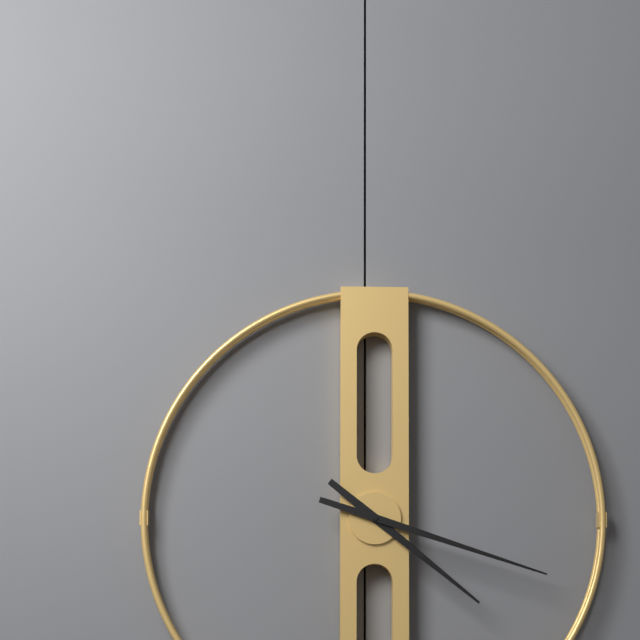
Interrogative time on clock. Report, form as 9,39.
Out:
4,18
